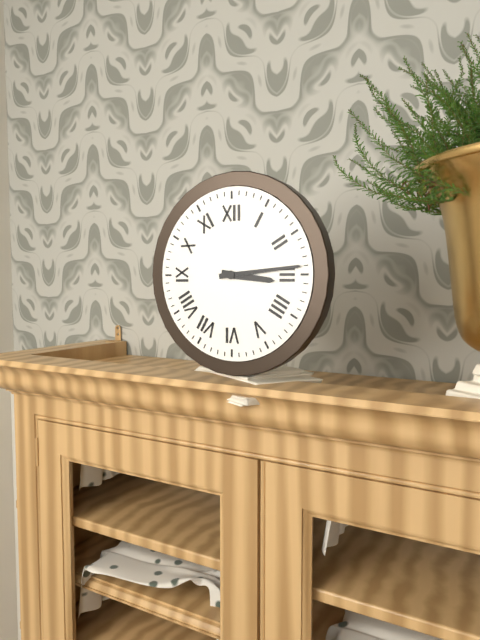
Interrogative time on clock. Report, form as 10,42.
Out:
3,14
